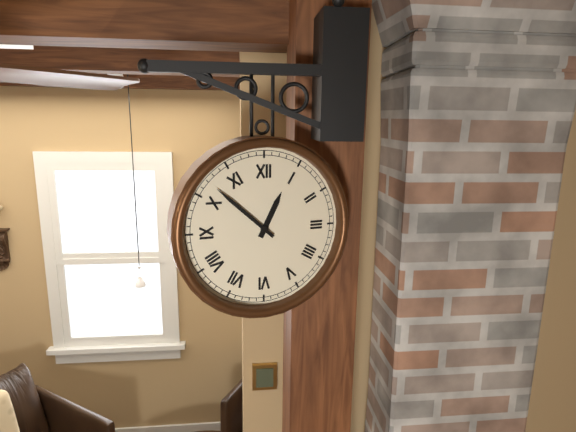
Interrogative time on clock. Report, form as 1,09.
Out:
12,52
